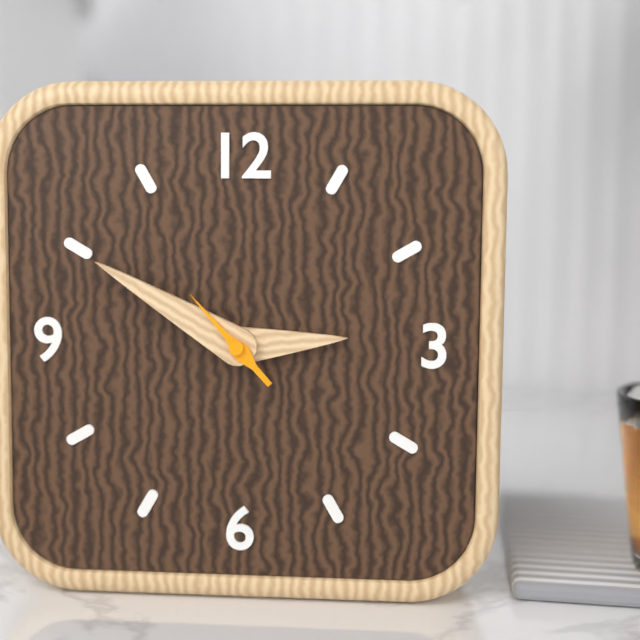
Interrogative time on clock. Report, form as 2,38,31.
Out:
2,50,53
